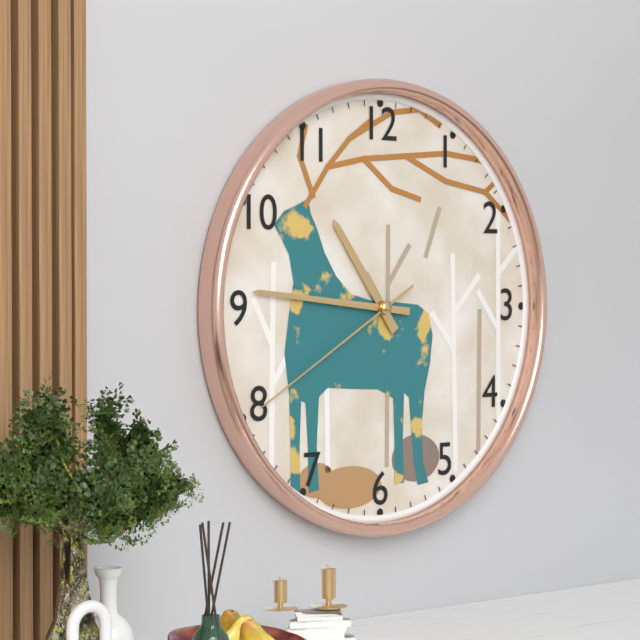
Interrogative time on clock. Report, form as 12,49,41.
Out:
10,46,40
